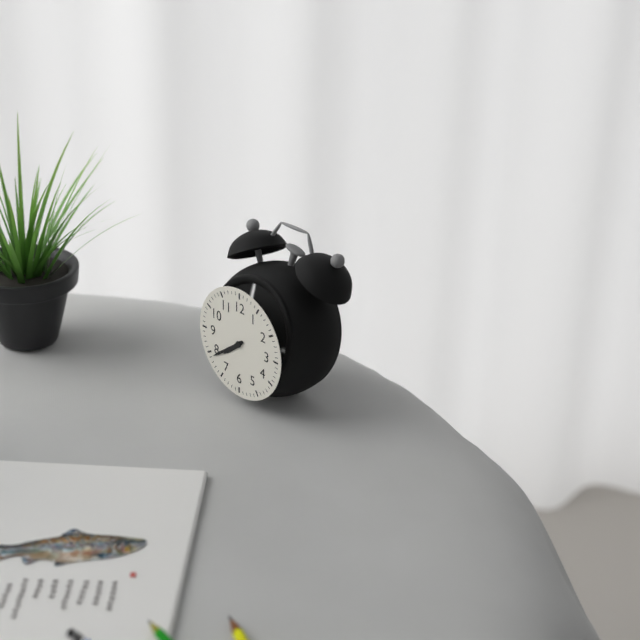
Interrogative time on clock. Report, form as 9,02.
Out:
7,39
